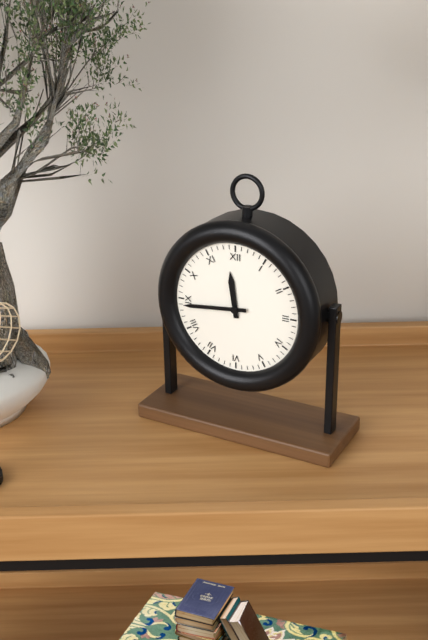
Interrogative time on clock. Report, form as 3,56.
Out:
11,44
